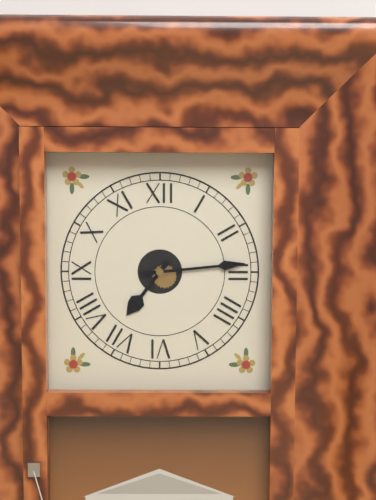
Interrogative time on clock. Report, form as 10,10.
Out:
7,14
